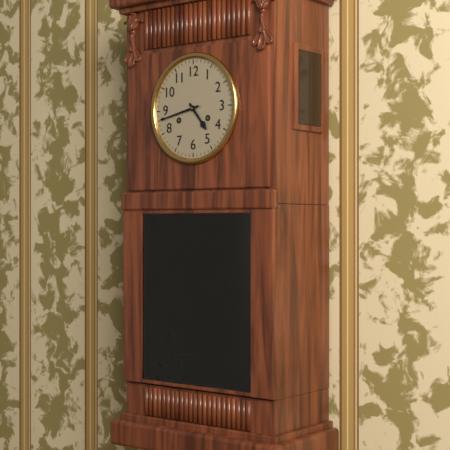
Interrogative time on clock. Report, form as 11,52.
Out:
4,43
